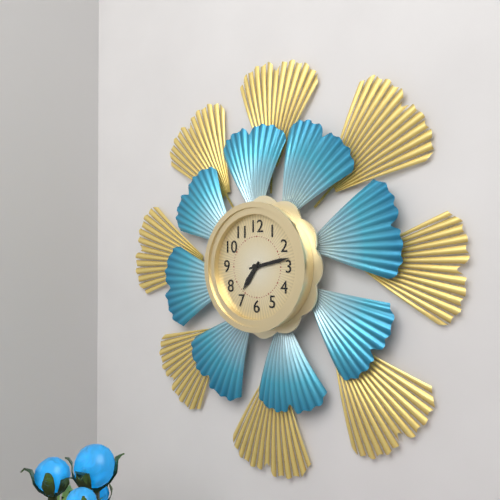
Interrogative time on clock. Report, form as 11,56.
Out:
7,13
